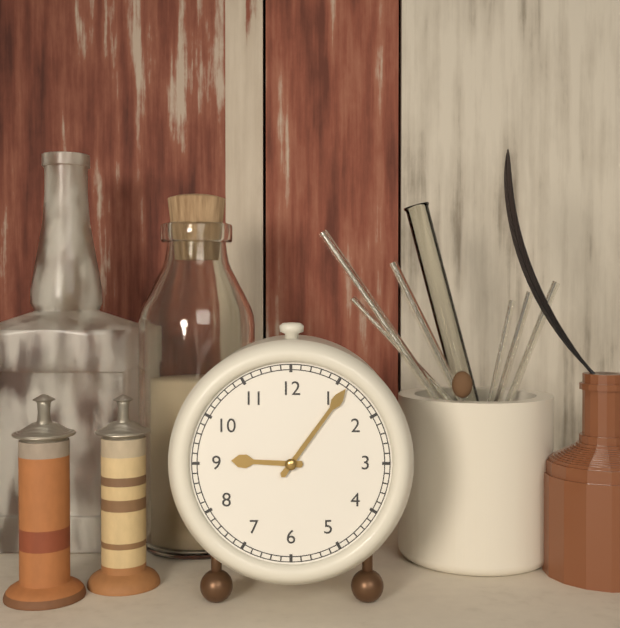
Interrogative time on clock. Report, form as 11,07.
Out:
9,06
